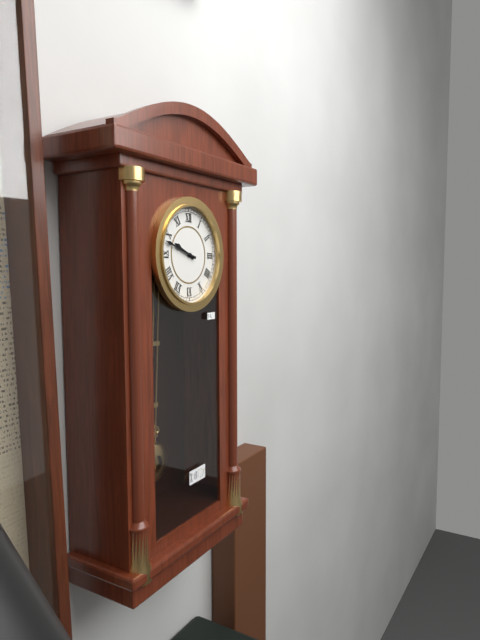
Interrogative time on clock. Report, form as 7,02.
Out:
9,48
